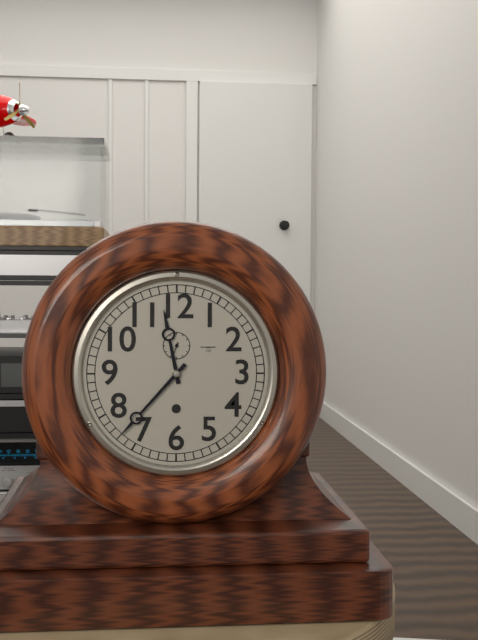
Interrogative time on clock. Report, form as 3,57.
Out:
11,37
